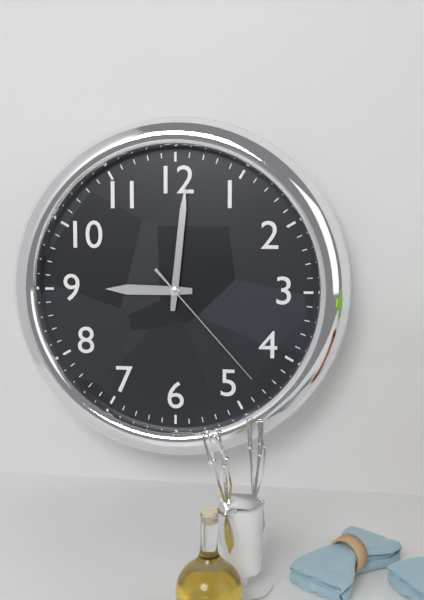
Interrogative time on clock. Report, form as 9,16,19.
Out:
9,01,23
